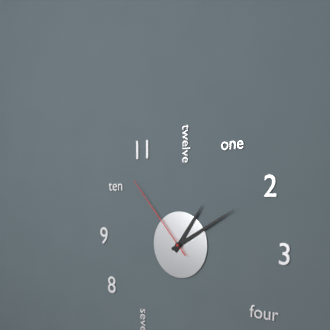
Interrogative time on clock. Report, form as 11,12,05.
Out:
1,10,53
